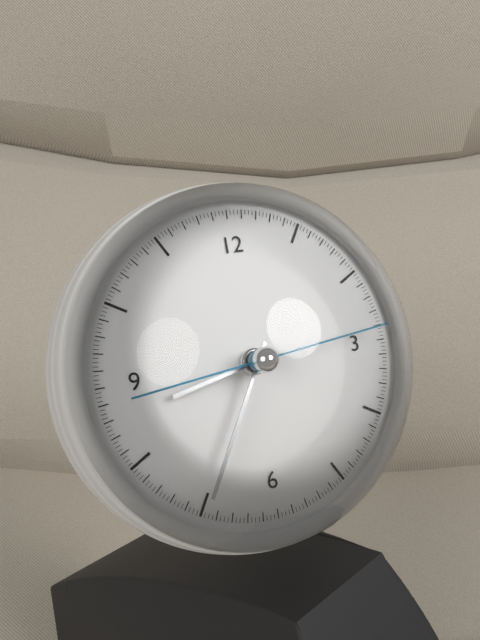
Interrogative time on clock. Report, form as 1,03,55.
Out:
8,35,14
